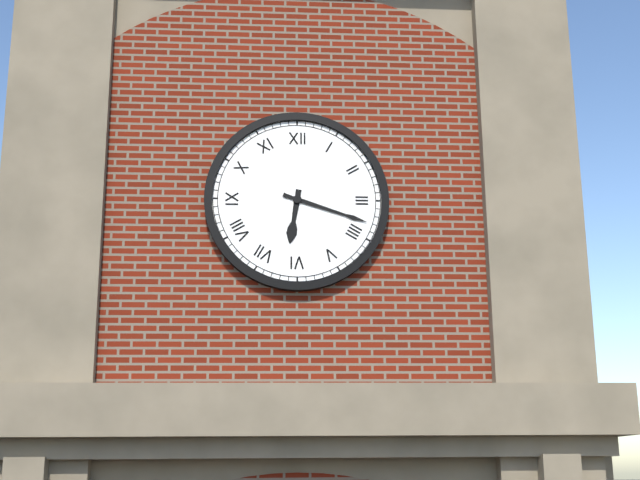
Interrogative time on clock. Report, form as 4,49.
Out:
6,18
